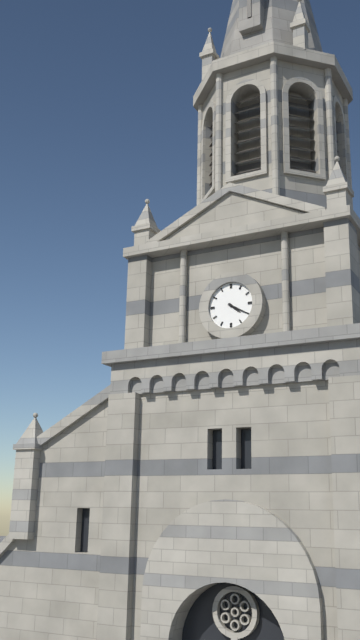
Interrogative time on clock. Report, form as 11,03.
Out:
4,20
